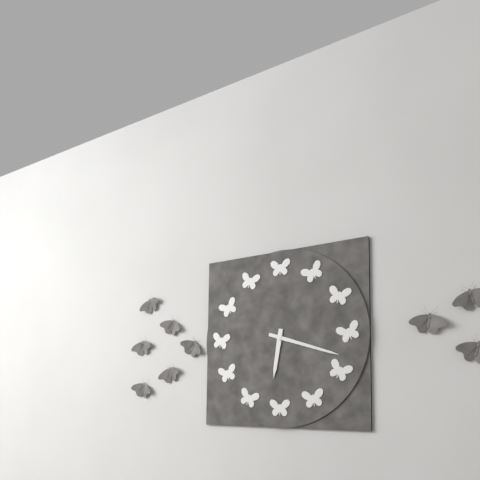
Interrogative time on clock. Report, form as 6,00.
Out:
6,18
